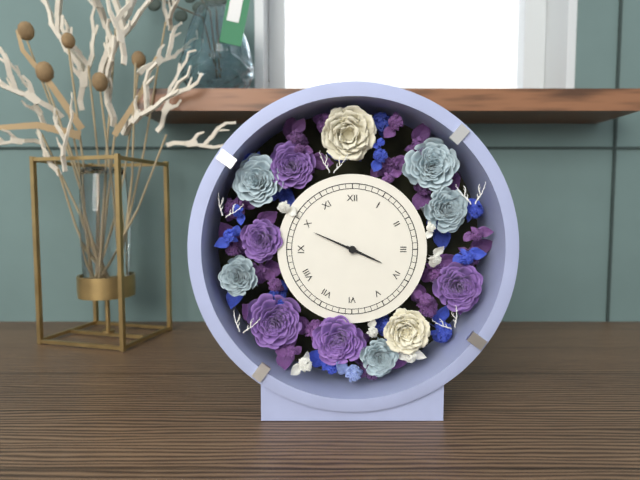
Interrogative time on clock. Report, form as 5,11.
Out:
3,49
